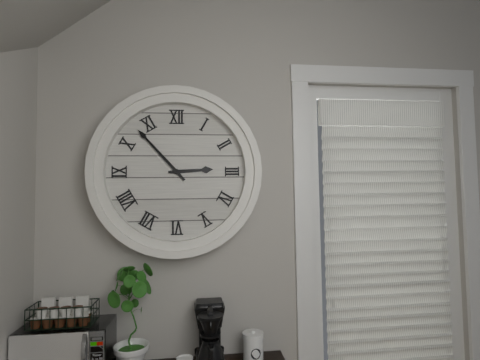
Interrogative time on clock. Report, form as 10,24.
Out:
2,53
